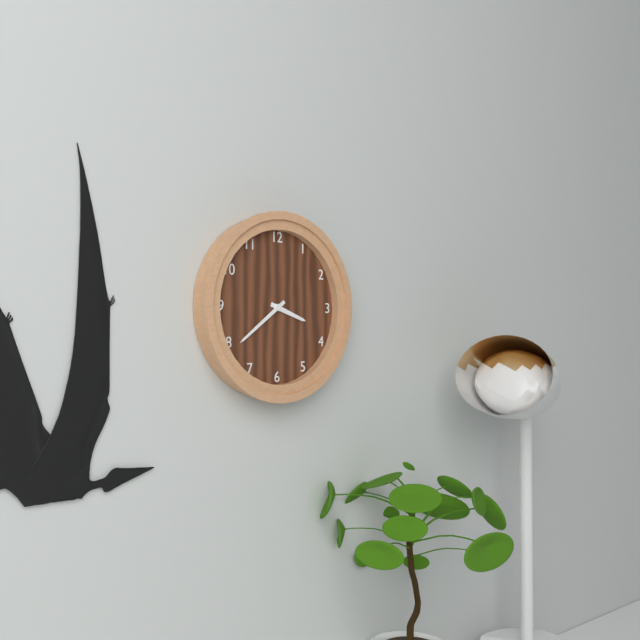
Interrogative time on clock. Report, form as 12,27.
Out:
3,39
